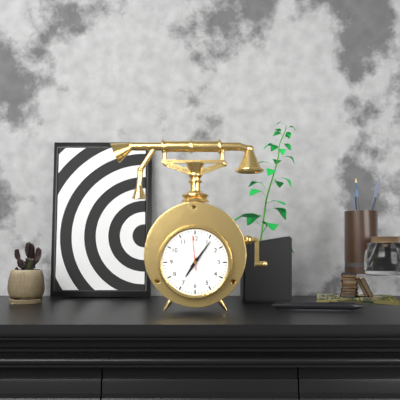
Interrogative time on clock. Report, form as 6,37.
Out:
7,06
